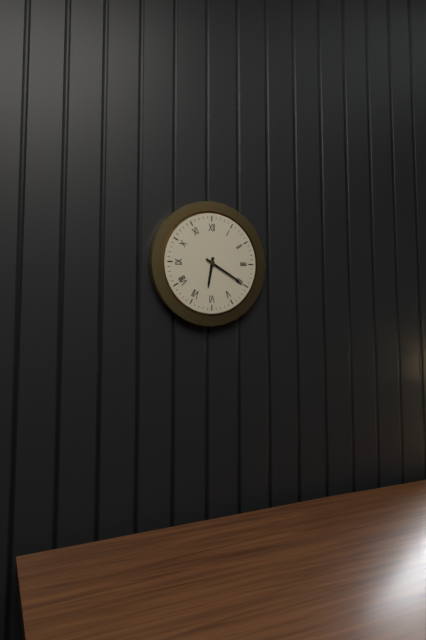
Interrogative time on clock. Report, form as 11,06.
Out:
6,20
